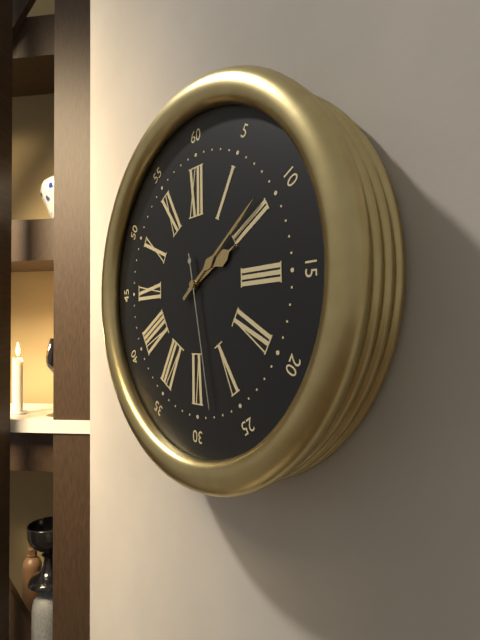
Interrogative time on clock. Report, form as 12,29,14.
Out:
2,09,28
